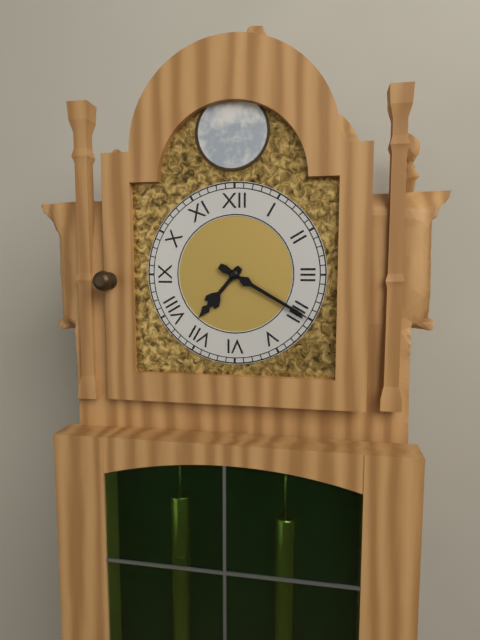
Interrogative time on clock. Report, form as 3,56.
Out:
7,20
